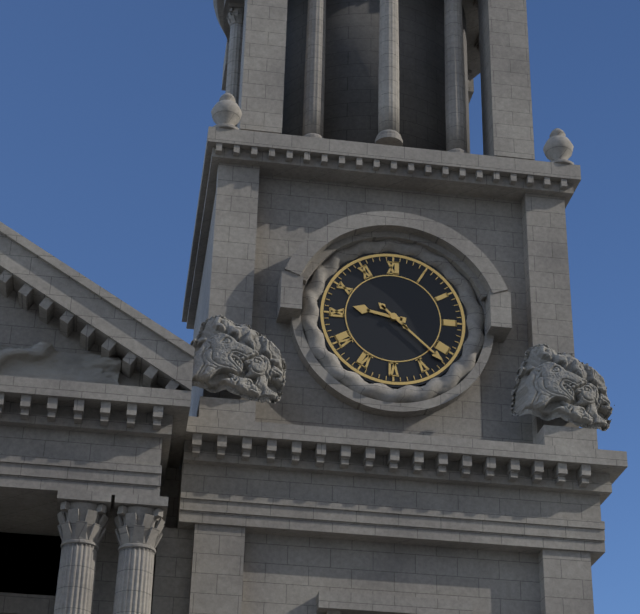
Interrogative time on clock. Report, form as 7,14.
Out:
9,22
